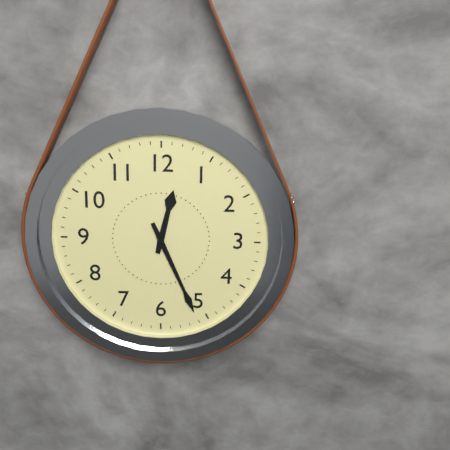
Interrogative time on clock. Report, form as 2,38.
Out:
12,26
